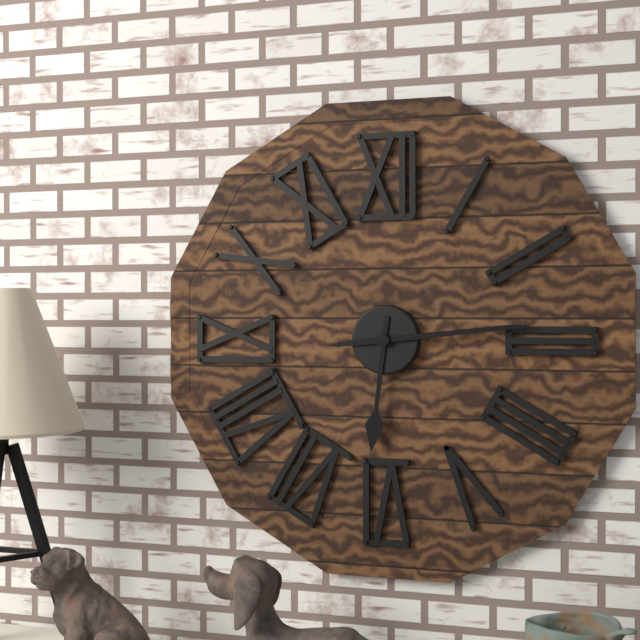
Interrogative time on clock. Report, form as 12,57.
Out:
6,14
